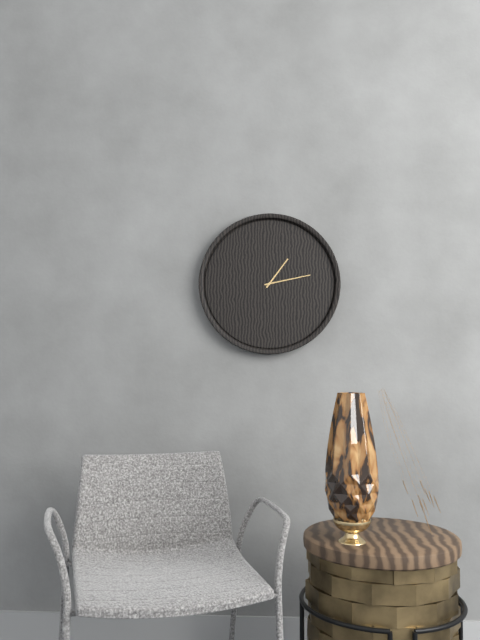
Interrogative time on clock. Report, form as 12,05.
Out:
1,13
